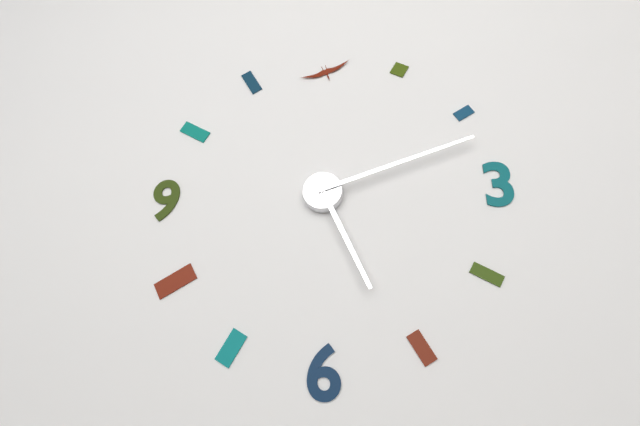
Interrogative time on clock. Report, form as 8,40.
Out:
5,12
